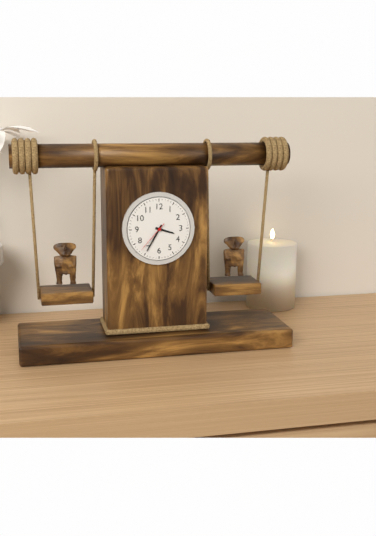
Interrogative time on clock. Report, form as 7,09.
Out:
3,35
